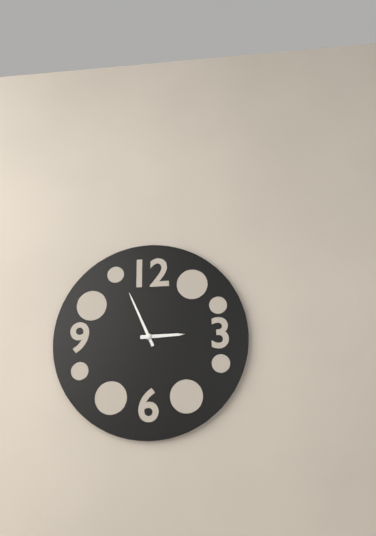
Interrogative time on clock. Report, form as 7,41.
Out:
2,56
